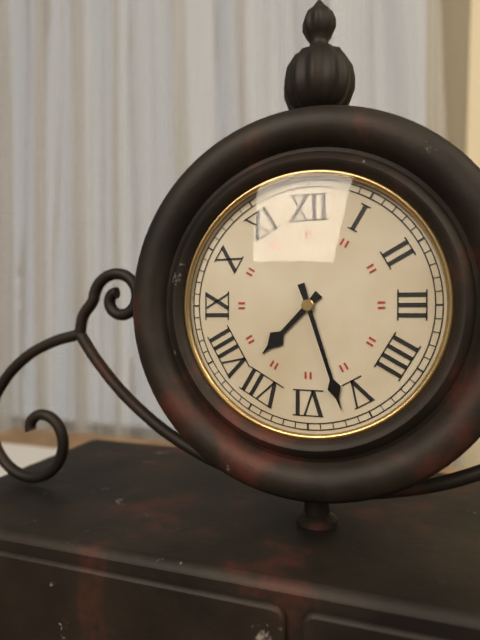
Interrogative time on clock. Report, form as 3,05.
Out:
7,27
